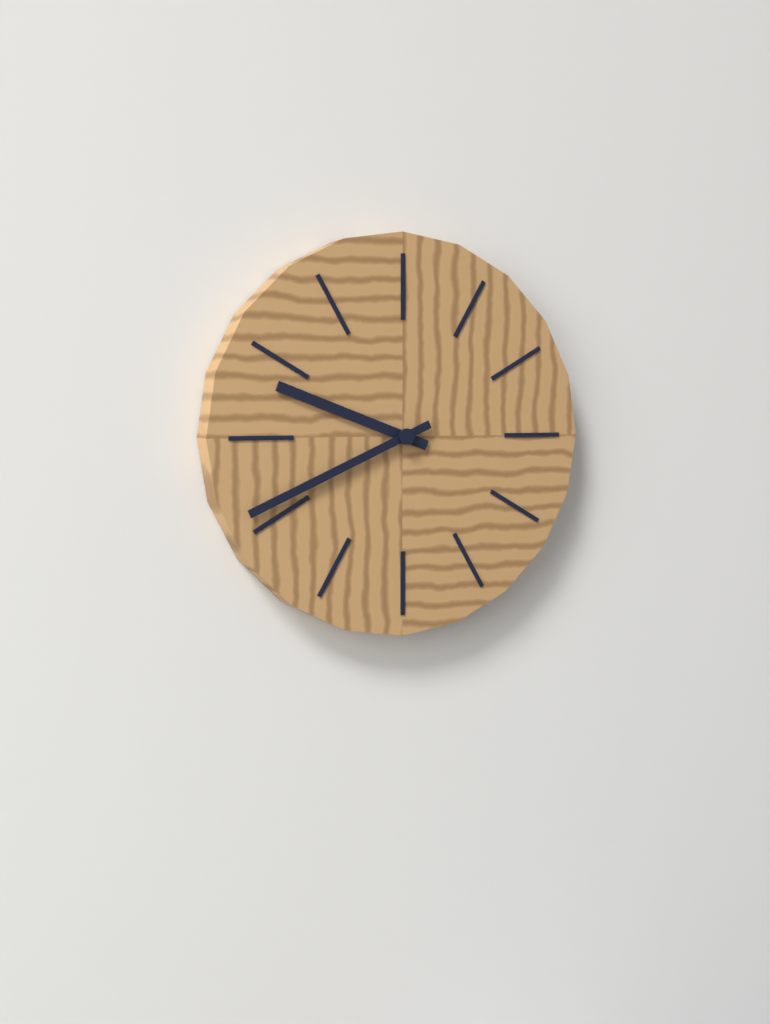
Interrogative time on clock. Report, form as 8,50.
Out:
9,41
